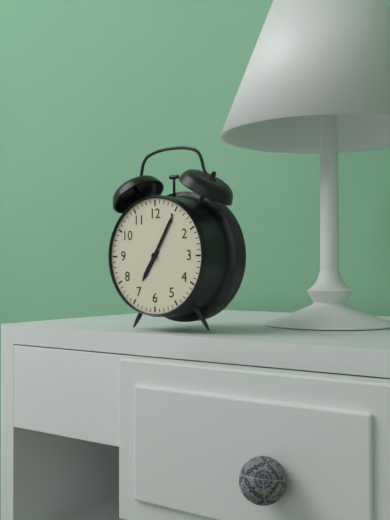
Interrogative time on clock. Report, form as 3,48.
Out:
7,05
